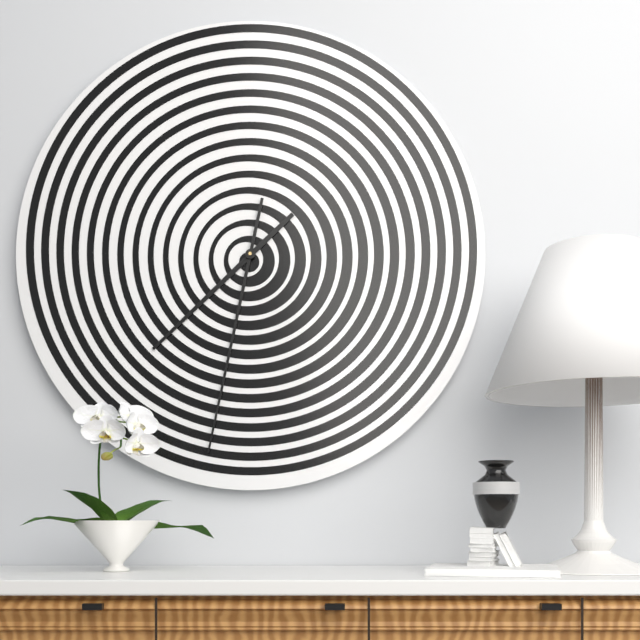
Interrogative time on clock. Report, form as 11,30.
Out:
7,32
